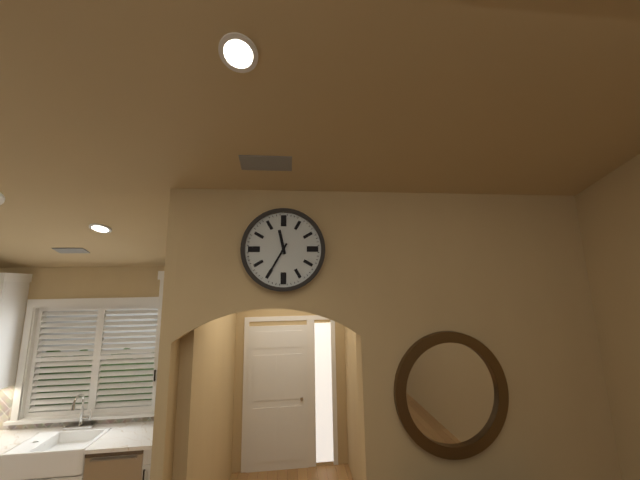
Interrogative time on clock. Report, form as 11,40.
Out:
11,35
